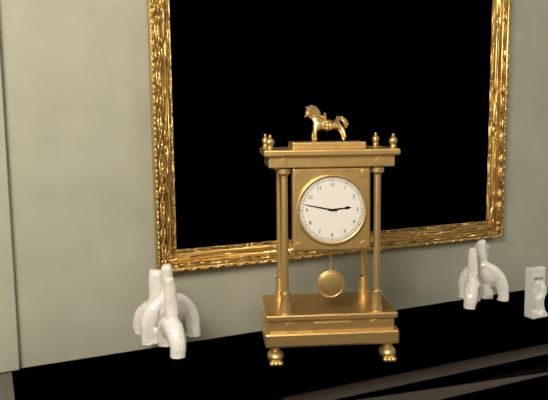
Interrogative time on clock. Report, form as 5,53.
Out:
2,47
